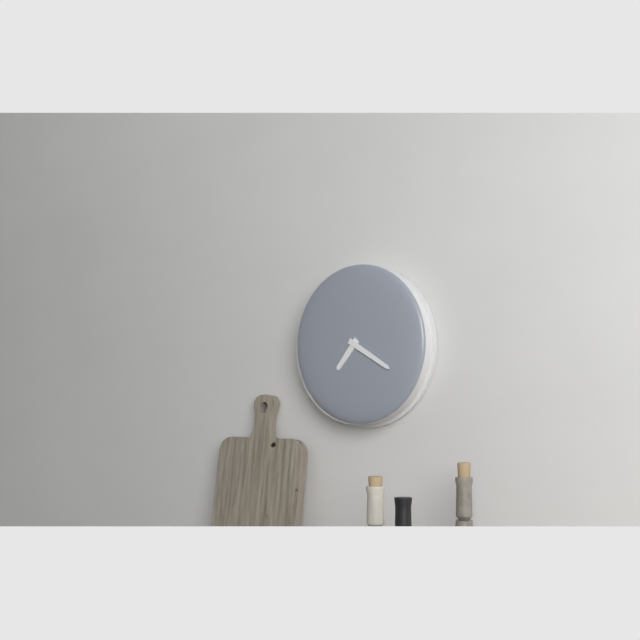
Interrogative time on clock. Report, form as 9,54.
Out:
7,20
